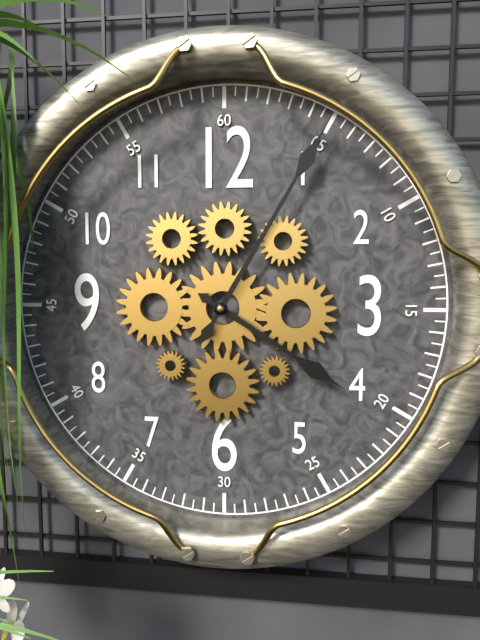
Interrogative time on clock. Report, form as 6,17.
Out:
4,05
